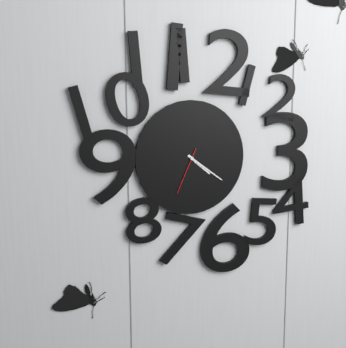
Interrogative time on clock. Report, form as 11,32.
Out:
4,21
